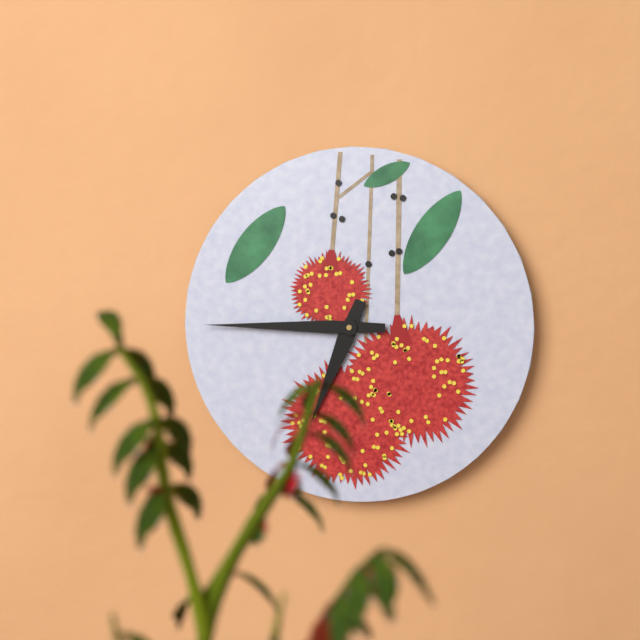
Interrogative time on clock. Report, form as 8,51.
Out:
6,45
